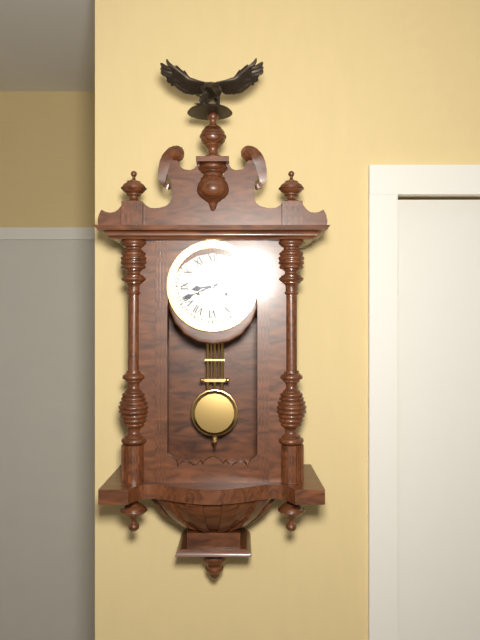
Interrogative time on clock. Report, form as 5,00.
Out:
8,41
